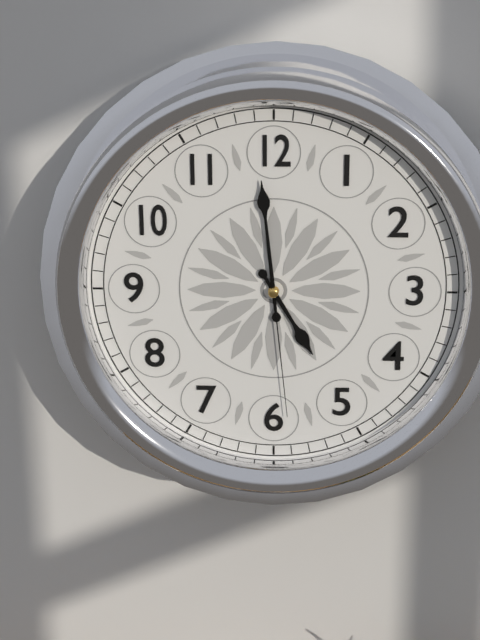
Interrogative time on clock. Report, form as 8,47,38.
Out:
4,59,29
